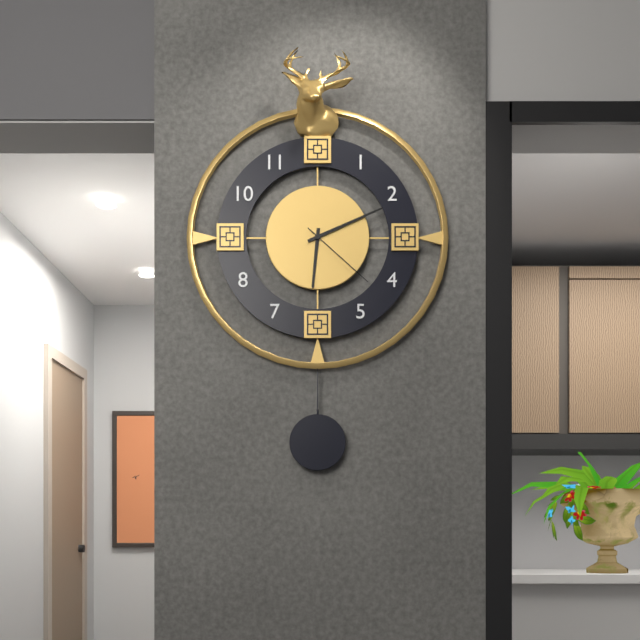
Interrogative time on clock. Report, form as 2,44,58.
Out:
6,11,22
